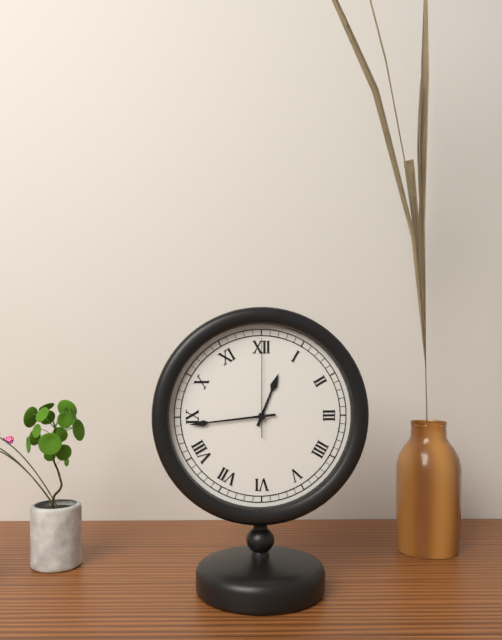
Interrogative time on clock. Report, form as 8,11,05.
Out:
12,44,00
